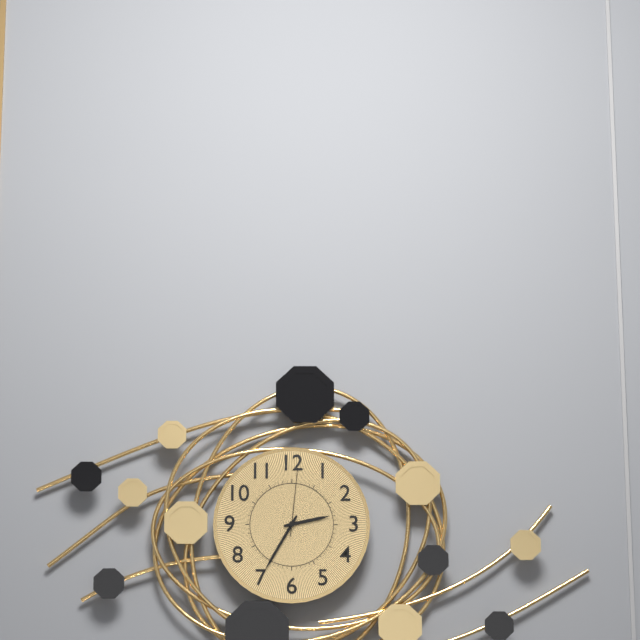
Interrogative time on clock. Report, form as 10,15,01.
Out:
2,35,01
